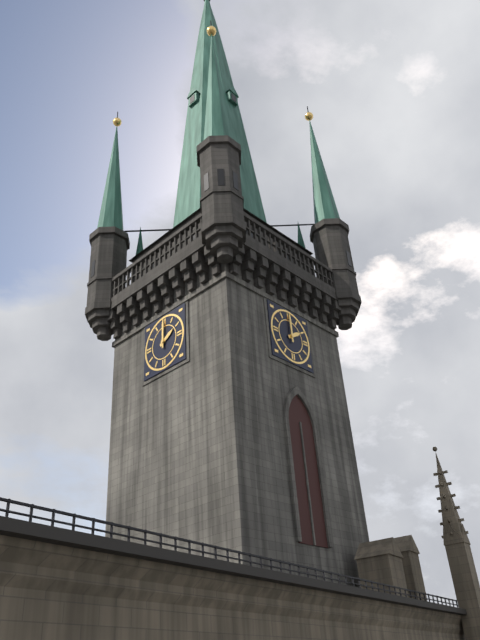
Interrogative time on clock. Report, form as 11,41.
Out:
2,00
